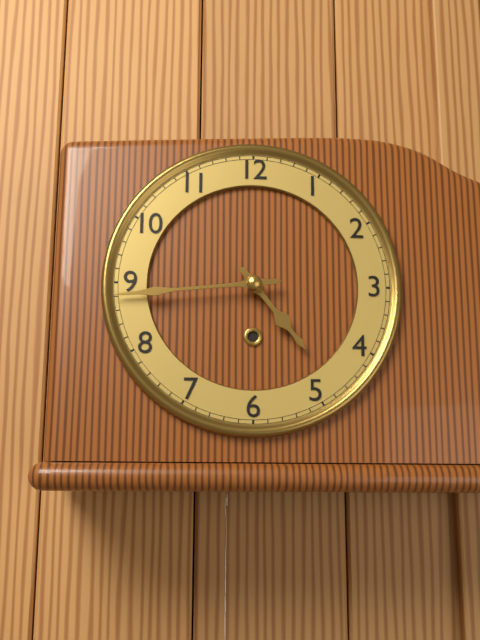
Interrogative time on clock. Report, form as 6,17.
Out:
4,44
